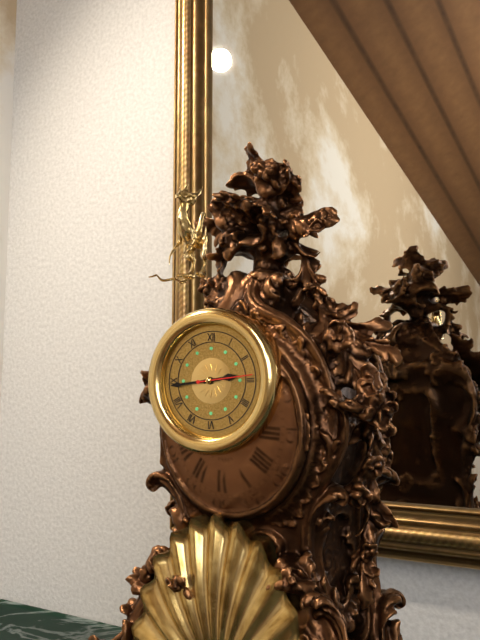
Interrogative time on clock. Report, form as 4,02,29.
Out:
2,44,14
